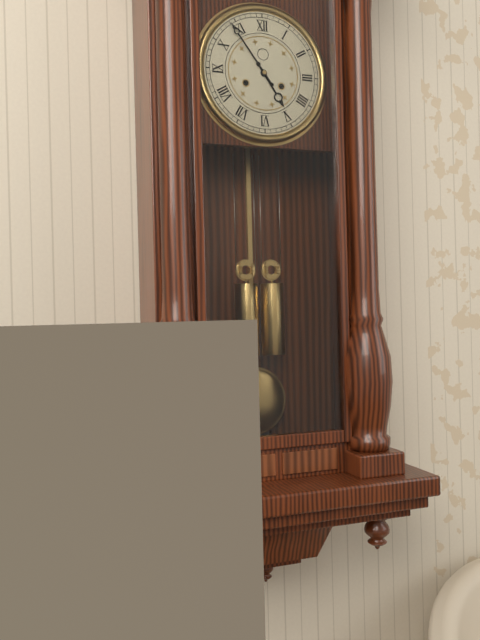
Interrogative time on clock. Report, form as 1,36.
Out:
4,54
